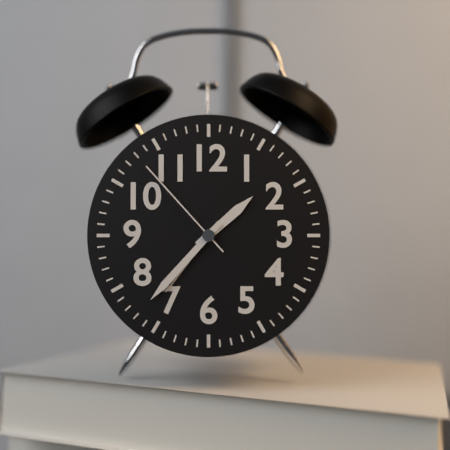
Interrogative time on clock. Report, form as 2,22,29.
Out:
1,37,53
